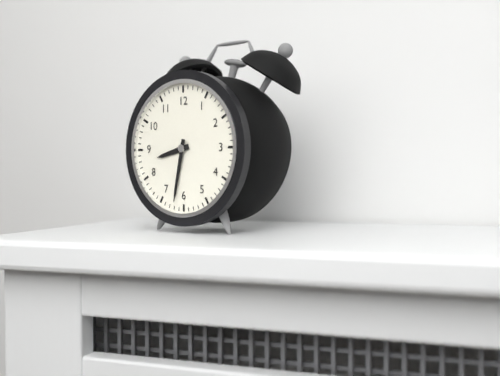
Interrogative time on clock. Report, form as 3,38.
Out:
8,32
